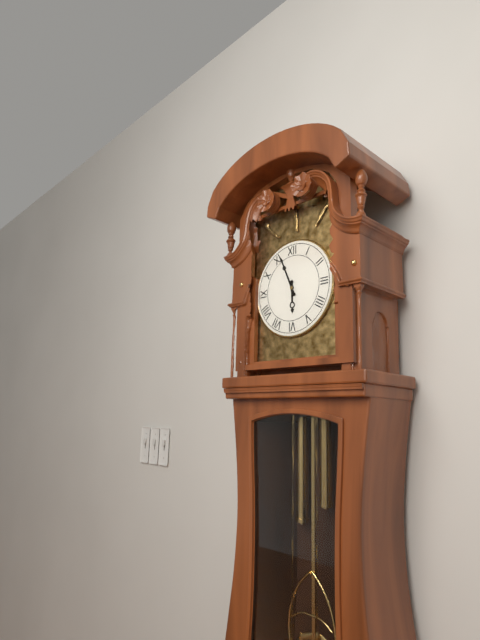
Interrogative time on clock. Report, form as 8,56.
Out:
5,56
